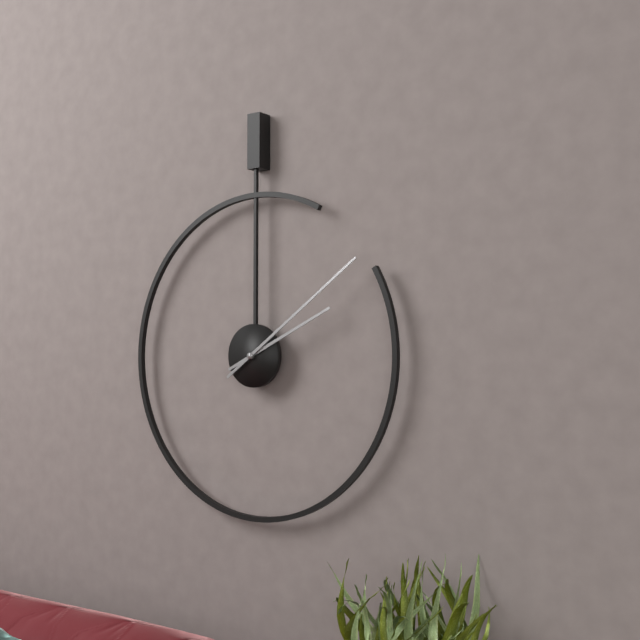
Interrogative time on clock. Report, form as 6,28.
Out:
2,09
